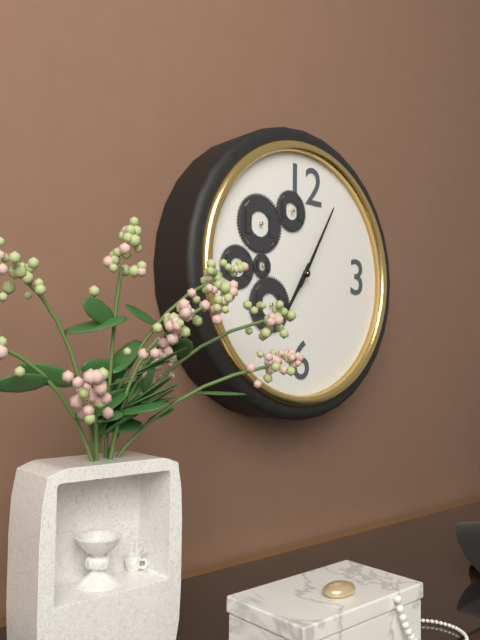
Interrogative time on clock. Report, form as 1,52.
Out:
7,05
